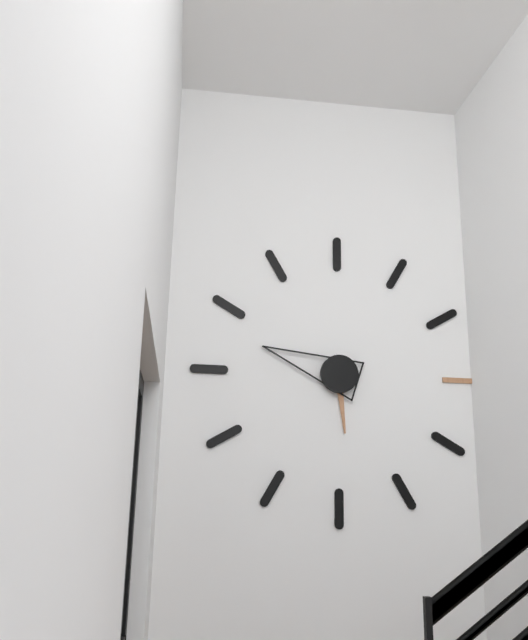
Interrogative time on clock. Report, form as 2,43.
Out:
5,48
